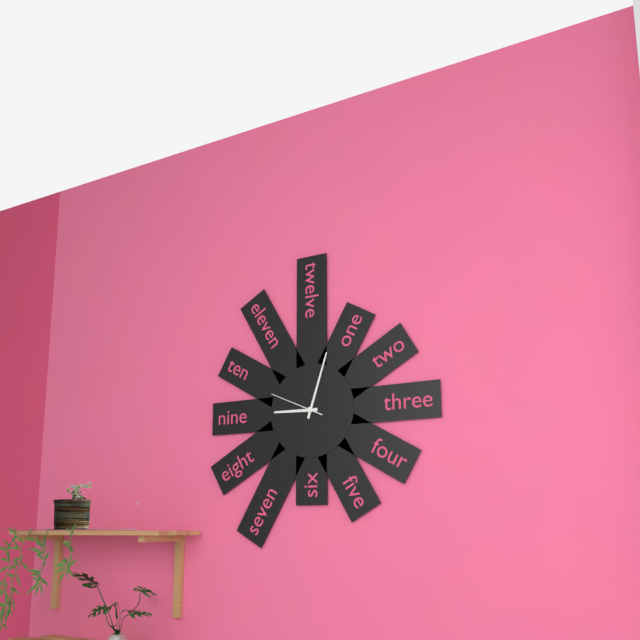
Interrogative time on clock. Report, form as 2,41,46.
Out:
9,03,49
